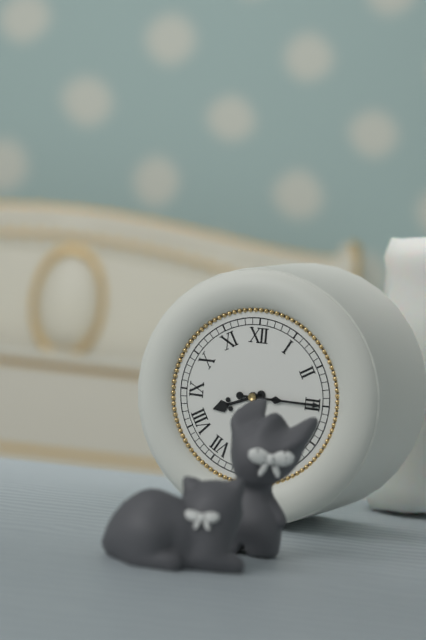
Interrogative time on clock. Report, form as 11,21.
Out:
8,15
